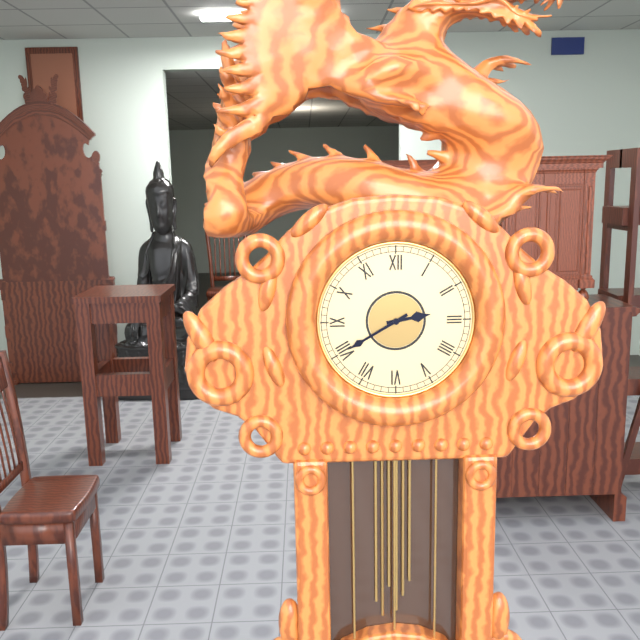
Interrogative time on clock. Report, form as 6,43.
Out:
2,40
